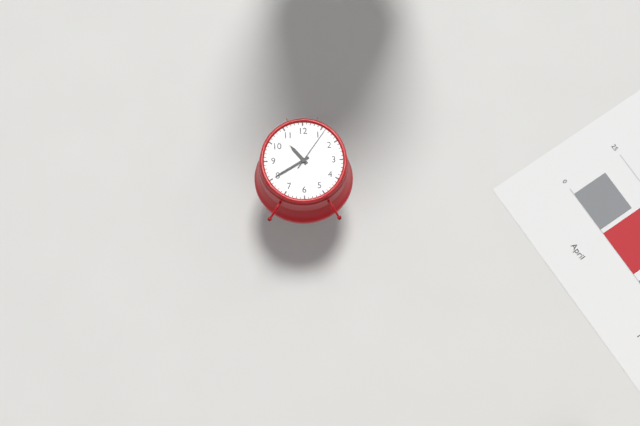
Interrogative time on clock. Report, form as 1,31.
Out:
10,40
